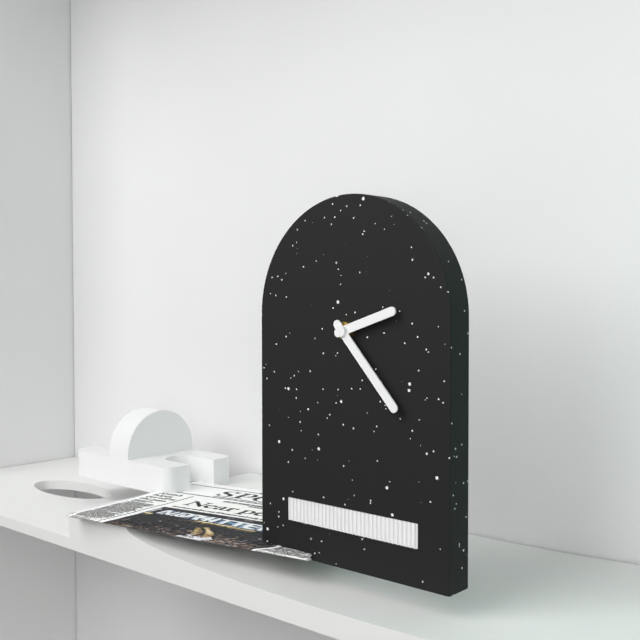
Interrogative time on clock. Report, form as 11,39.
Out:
2,23
